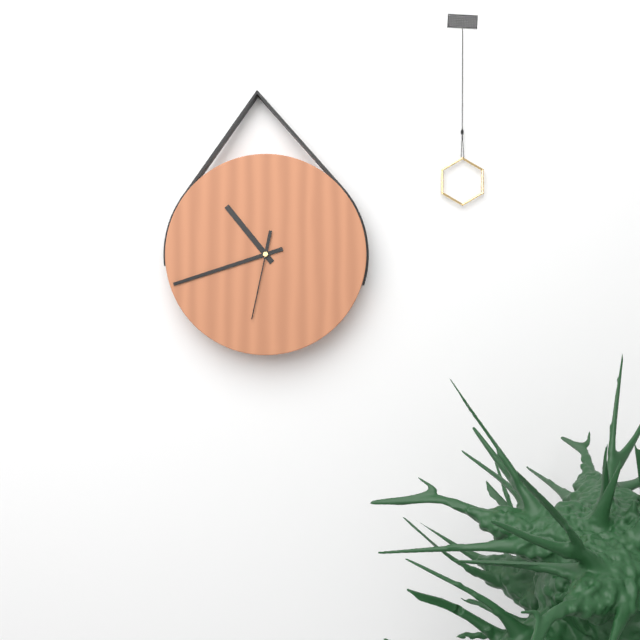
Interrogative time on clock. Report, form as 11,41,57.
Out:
10,42,32
